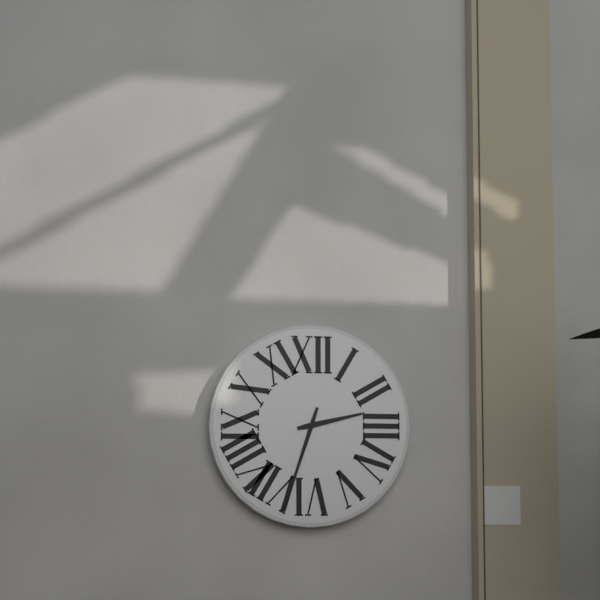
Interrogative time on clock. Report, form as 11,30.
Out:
2,33
